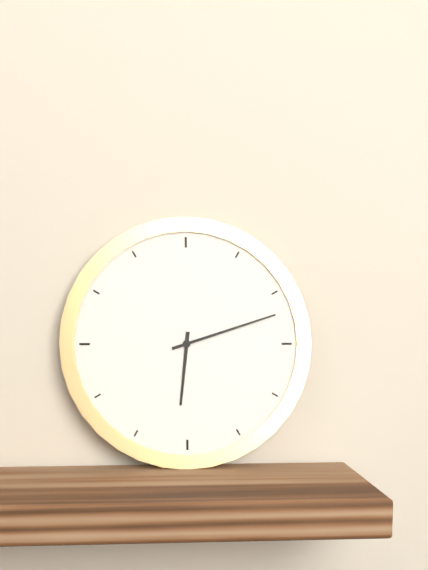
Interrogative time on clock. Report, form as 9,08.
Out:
6,12
